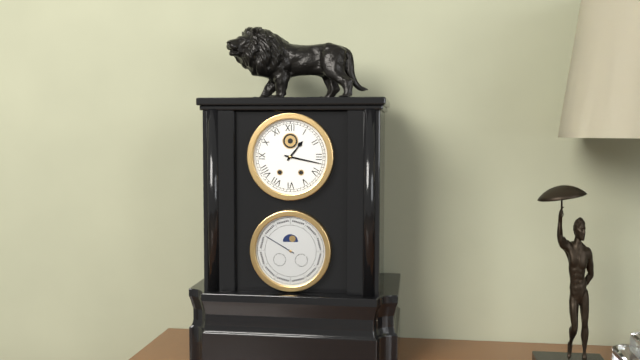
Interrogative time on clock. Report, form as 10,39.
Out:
1,17
